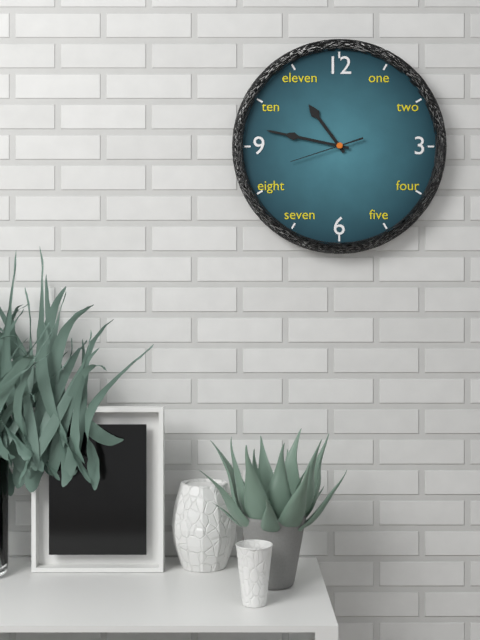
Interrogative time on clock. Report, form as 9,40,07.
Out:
10,47,42
